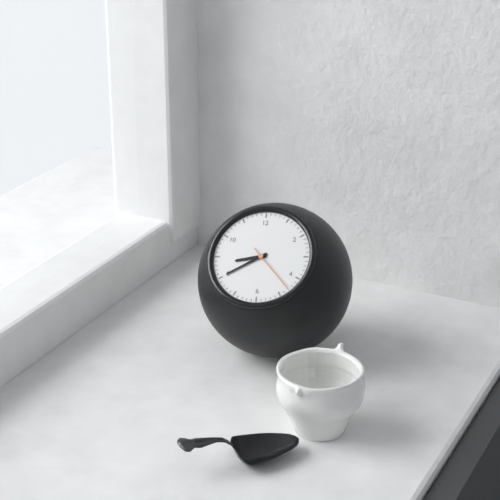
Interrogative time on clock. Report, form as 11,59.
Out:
8,40
